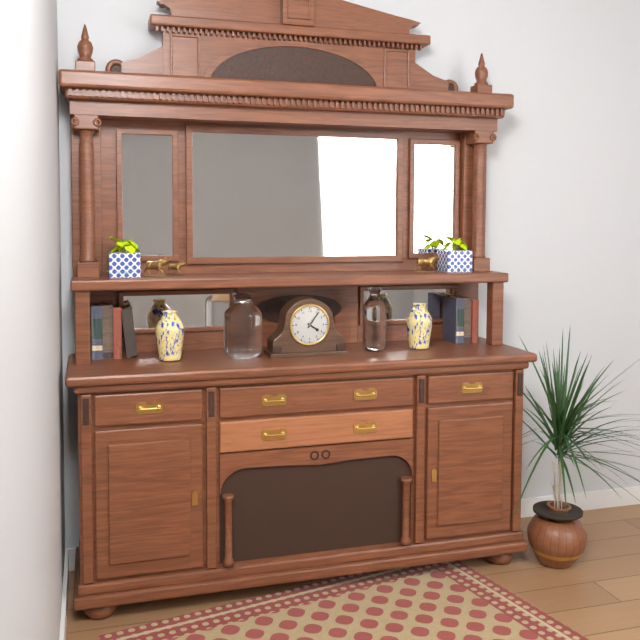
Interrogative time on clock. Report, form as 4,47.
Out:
4,06
